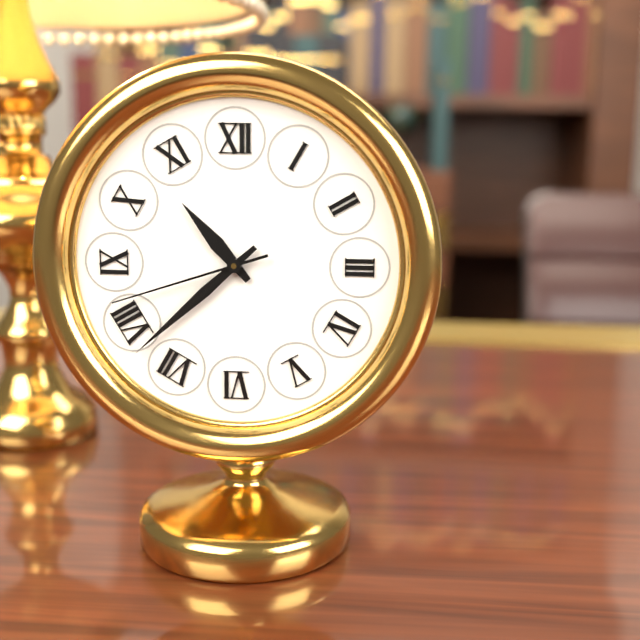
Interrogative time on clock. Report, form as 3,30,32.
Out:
10,38,42
